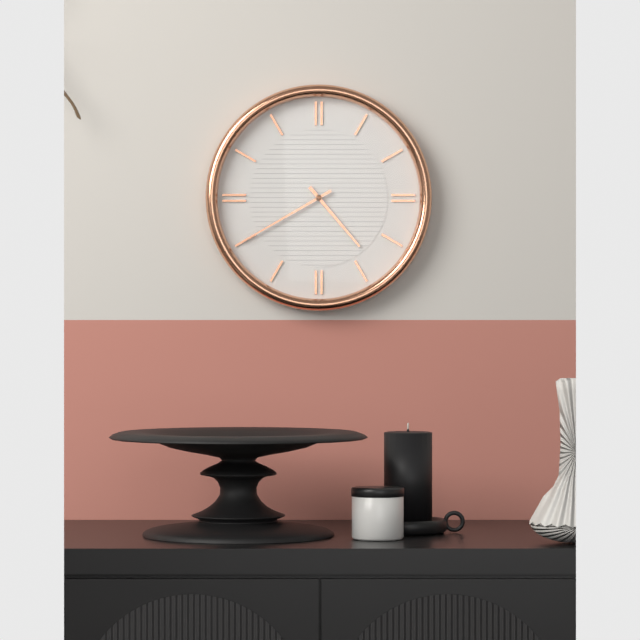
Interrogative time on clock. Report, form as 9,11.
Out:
4,40
